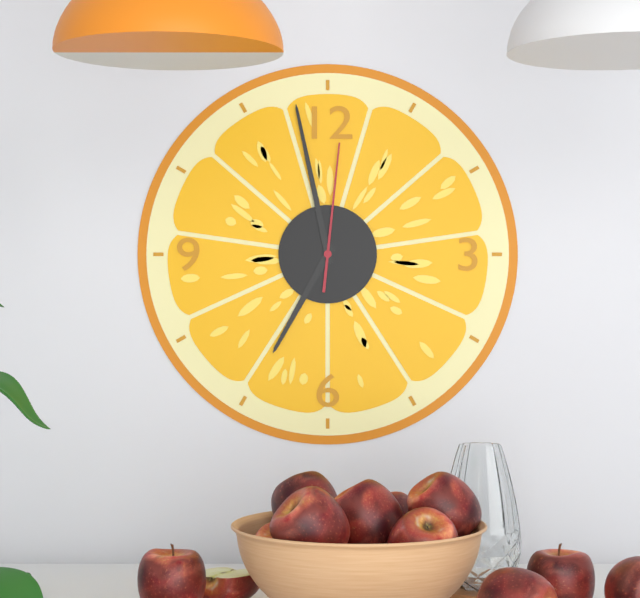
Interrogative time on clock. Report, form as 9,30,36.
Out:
6,58,01
